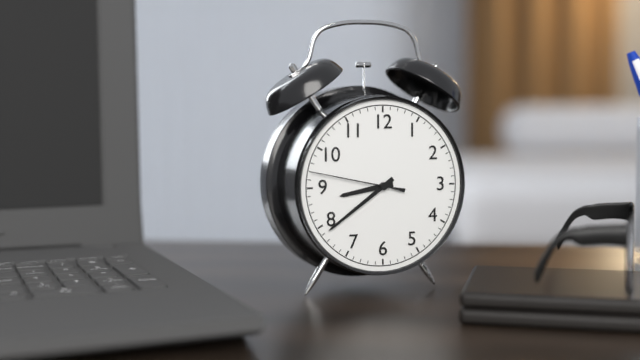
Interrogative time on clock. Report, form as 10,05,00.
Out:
8,39,47
